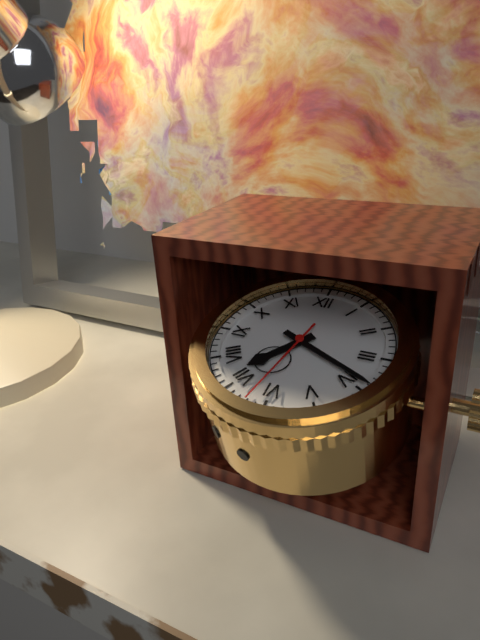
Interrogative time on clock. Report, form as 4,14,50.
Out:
7,19,32
